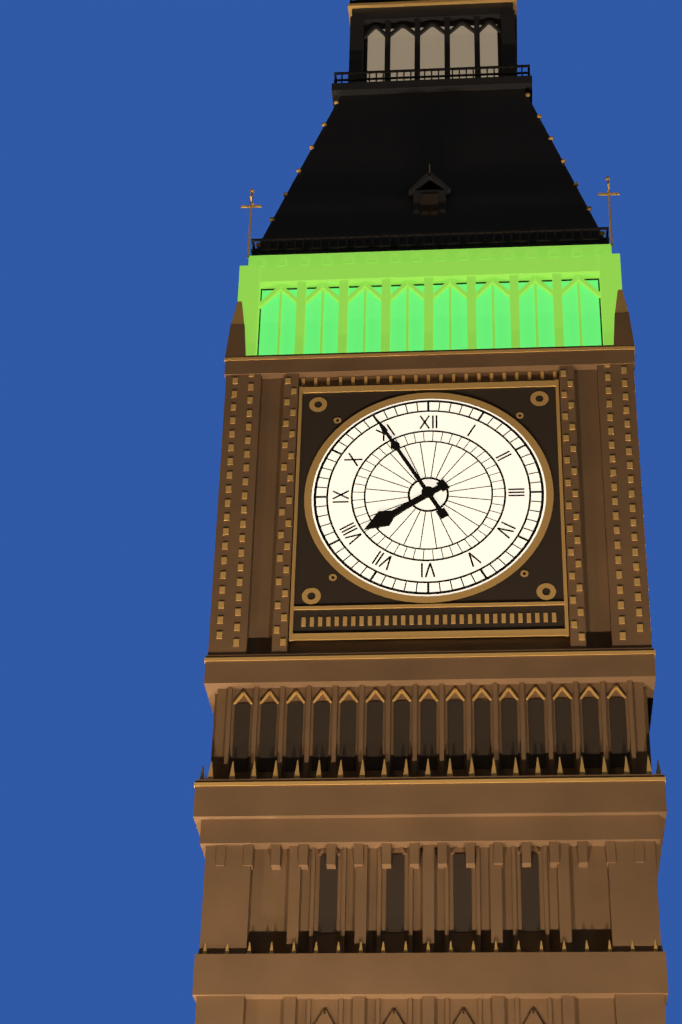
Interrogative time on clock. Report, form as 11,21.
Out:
7,55
